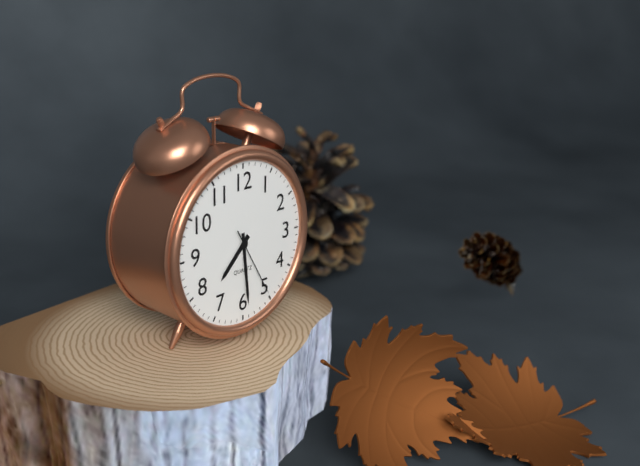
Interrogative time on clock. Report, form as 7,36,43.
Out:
7,29,25
